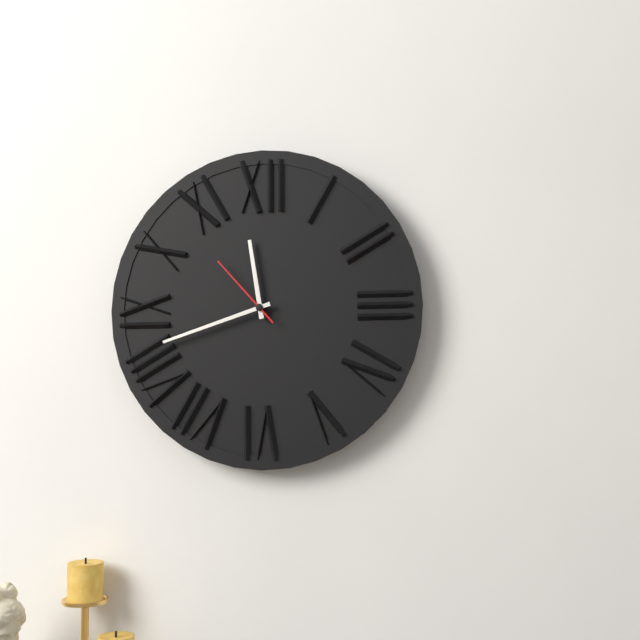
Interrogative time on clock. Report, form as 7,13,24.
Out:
11,42,53
